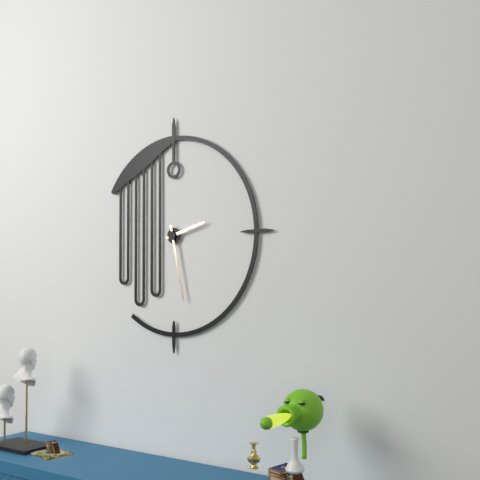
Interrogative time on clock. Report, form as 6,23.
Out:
2,28
